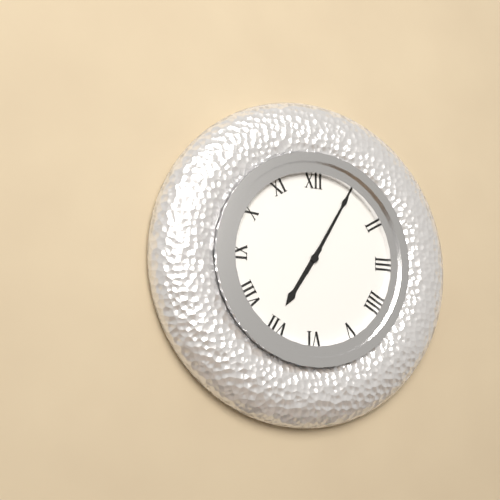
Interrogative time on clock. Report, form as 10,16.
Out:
7,05
